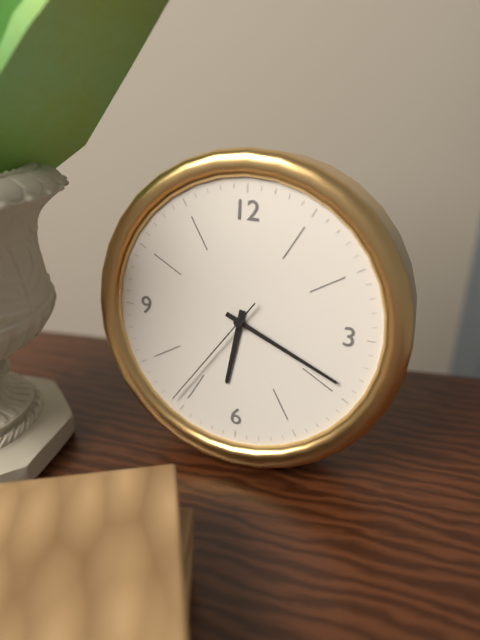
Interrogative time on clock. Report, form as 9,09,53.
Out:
6,19,36
